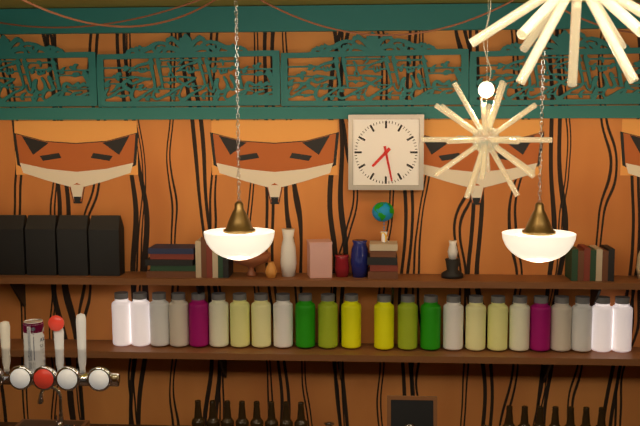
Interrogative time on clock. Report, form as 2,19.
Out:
7,28
